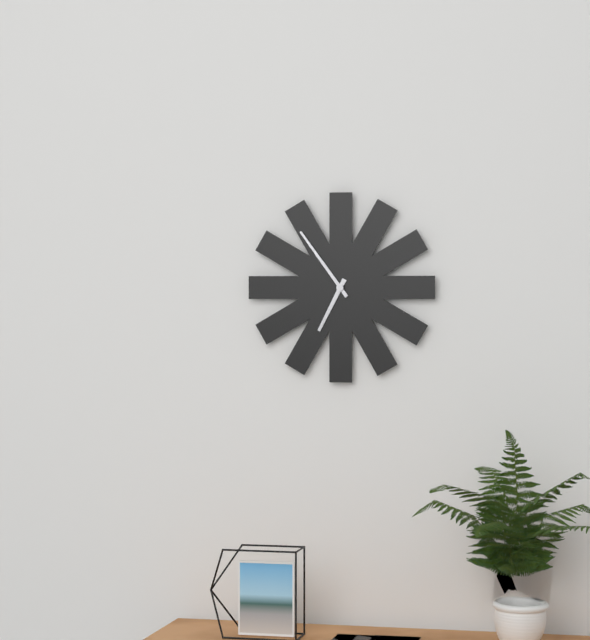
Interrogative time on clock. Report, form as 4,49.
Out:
6,54
